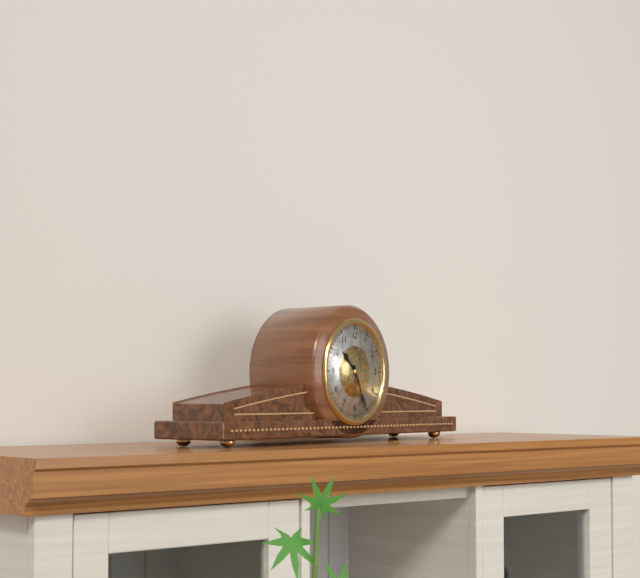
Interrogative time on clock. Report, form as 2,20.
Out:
10,26
